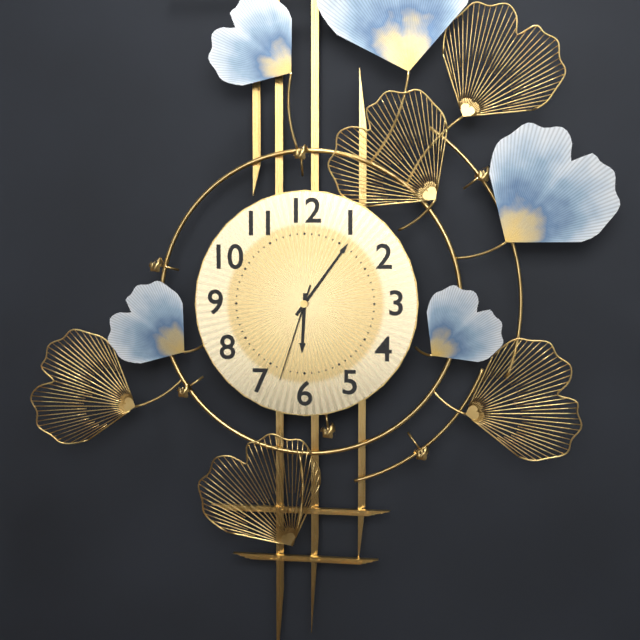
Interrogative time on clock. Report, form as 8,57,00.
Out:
6,06,33
